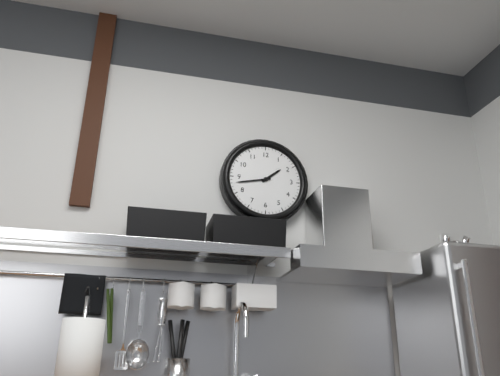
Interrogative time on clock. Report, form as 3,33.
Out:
1,43
